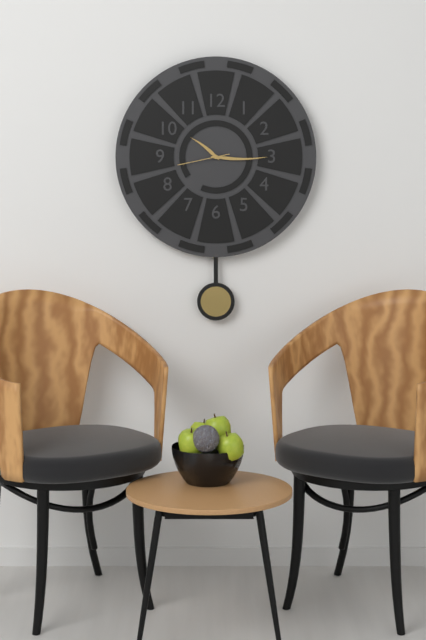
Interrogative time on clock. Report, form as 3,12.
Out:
10,15
